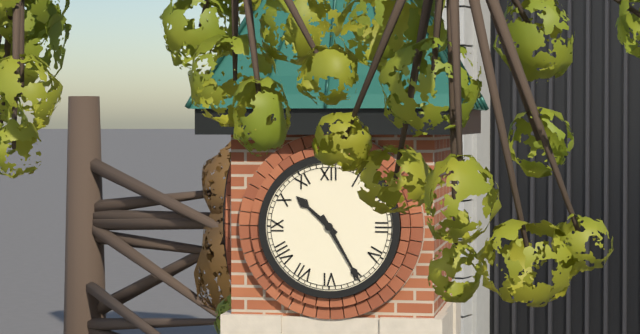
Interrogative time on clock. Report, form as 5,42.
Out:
10,25
